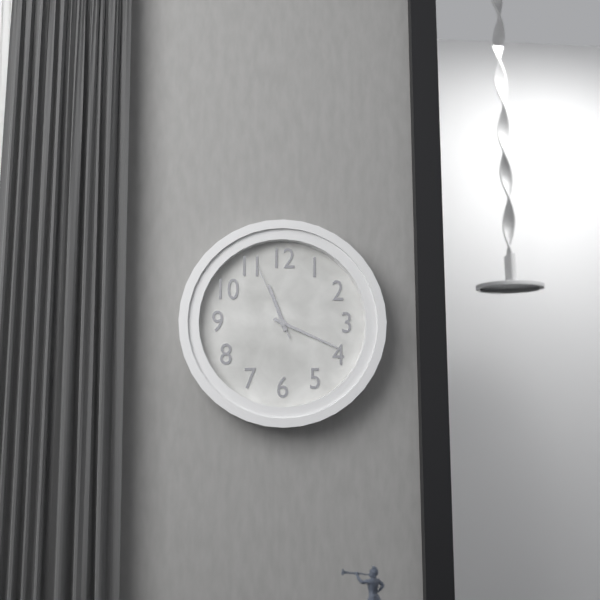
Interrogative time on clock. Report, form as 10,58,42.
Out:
11,19,56
